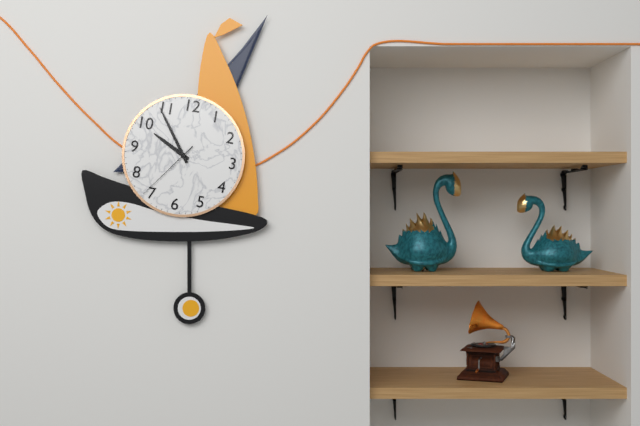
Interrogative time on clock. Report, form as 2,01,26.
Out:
9,54,36
